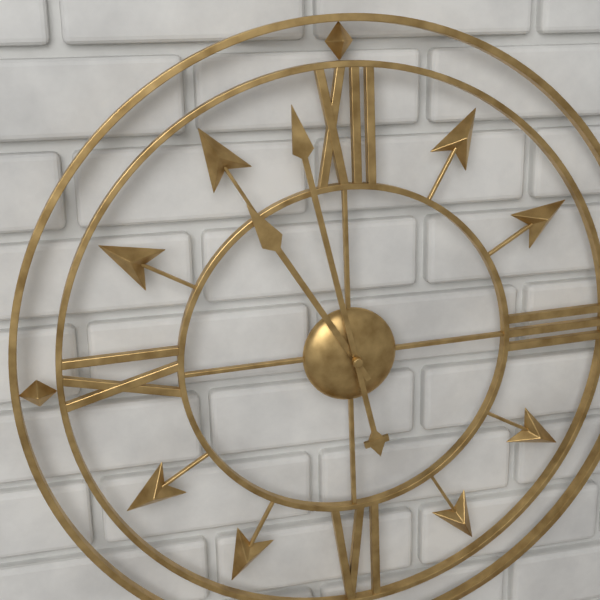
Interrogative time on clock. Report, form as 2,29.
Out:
10,58
